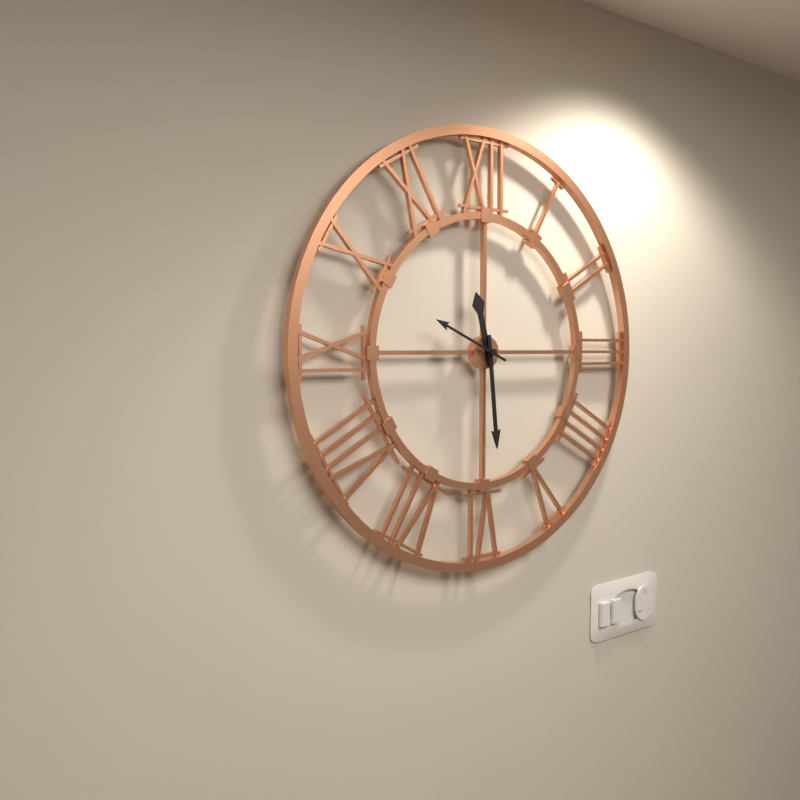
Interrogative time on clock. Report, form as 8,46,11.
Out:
11,29,49
